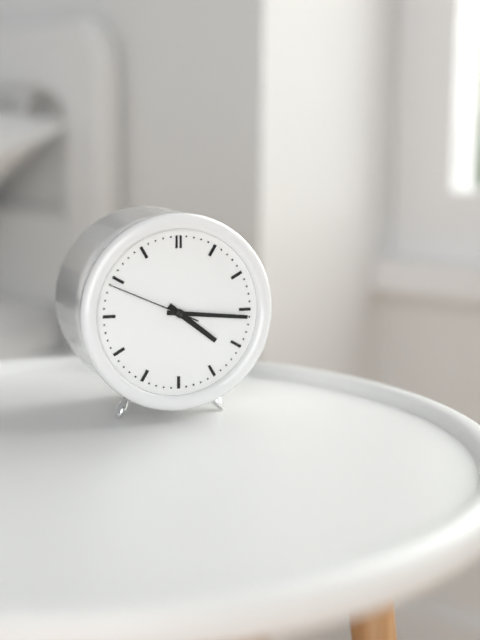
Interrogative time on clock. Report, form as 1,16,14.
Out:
4,16,49
